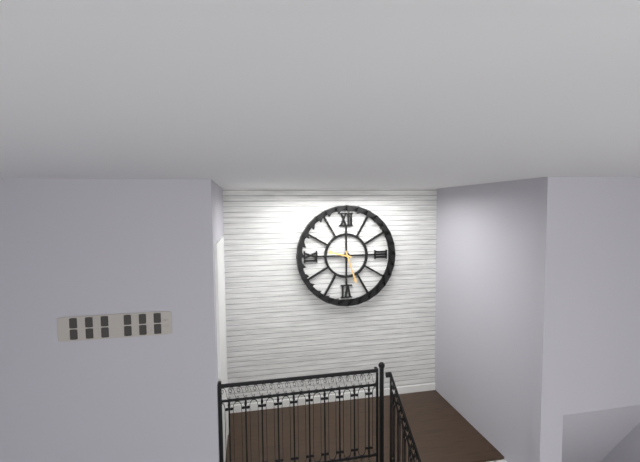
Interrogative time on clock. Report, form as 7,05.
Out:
9,27
